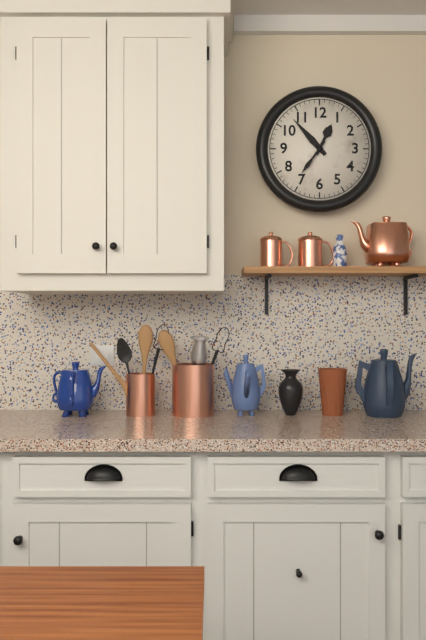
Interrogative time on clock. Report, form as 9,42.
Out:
12,53
